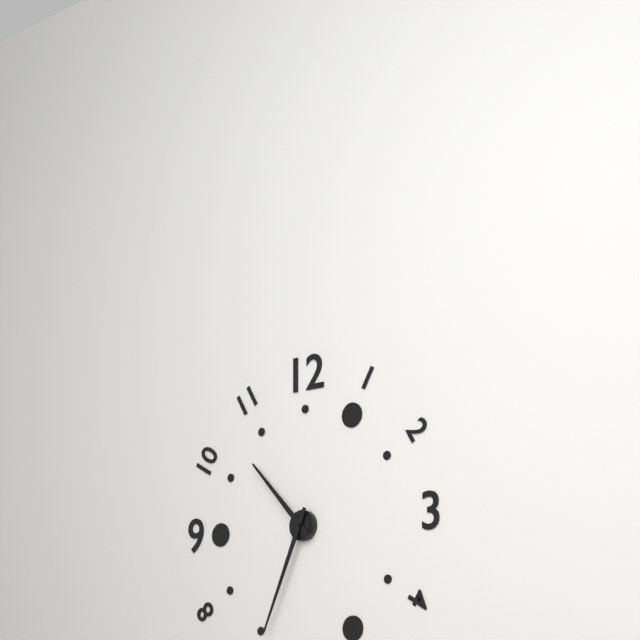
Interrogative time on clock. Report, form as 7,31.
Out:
10,34
